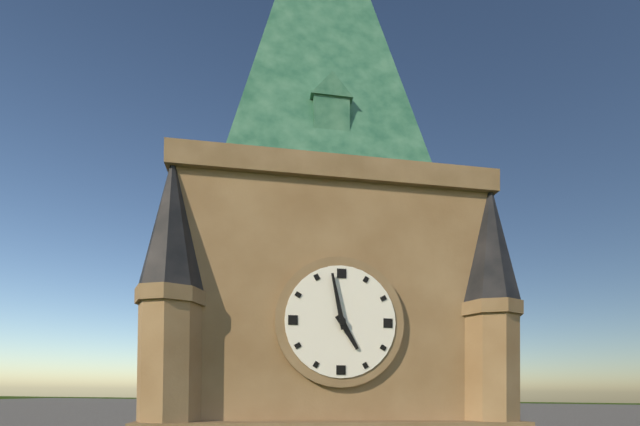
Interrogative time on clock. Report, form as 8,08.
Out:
4,58
